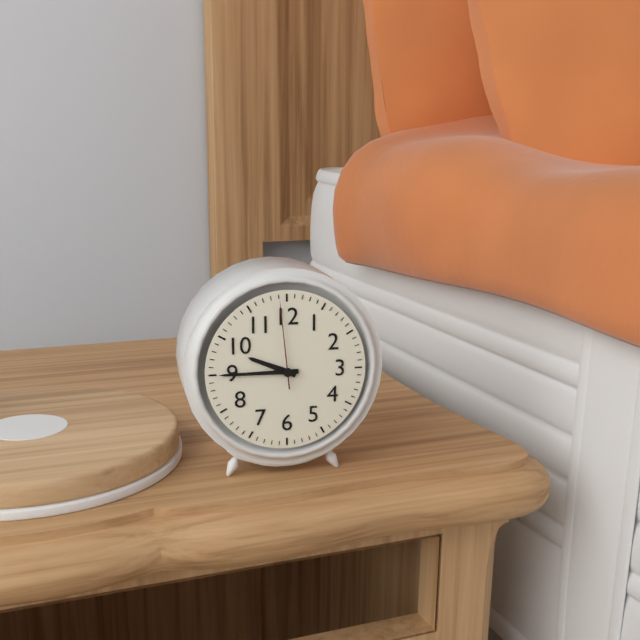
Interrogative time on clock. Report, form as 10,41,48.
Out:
9,45,59
